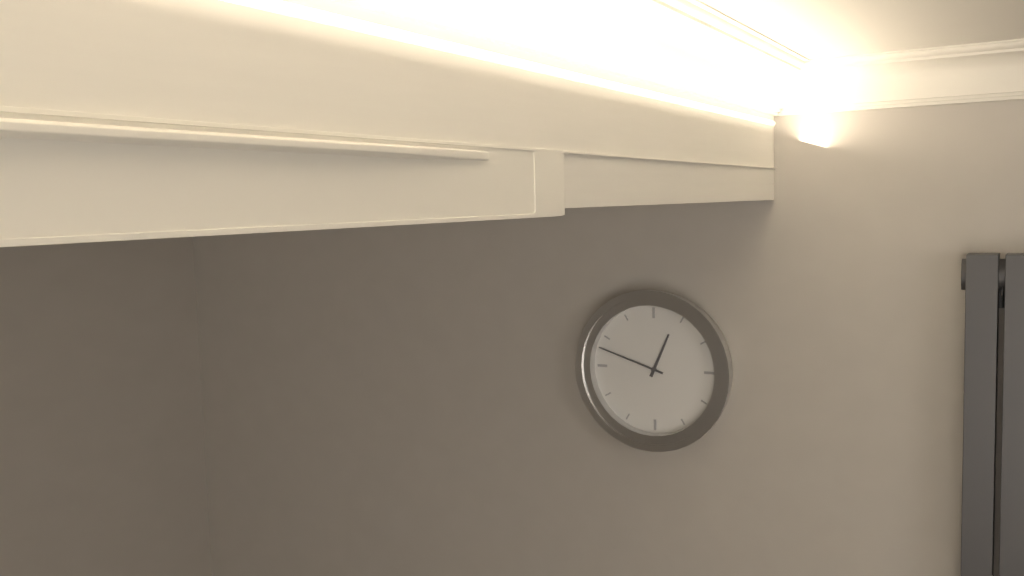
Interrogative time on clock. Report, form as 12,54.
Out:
12,48
